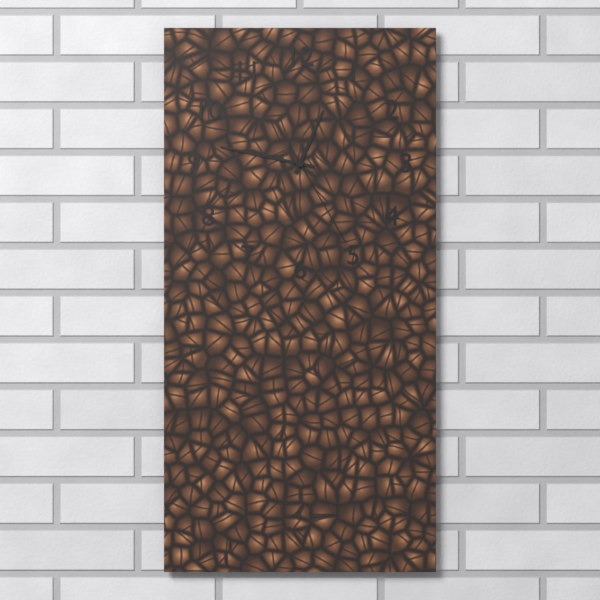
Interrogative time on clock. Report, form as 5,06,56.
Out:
12,47,25
